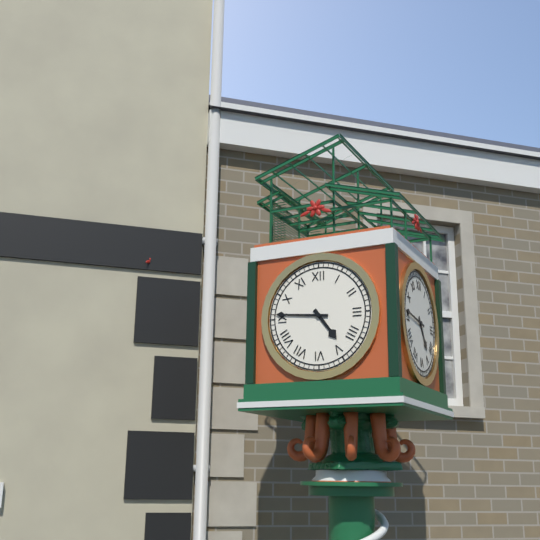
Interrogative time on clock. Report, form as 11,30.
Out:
4,46
